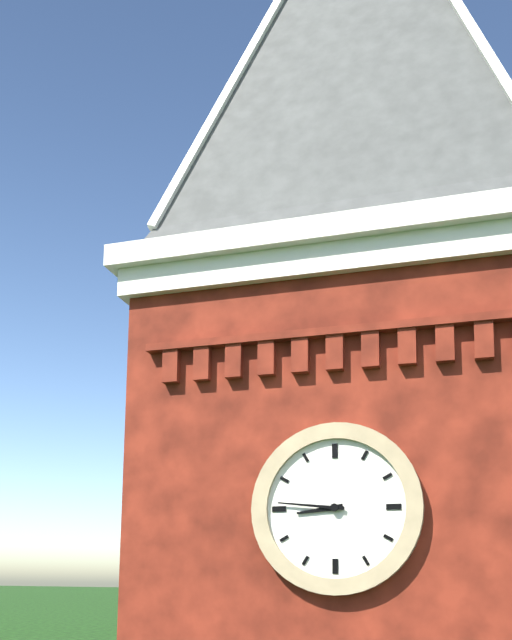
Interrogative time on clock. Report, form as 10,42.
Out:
8,46
